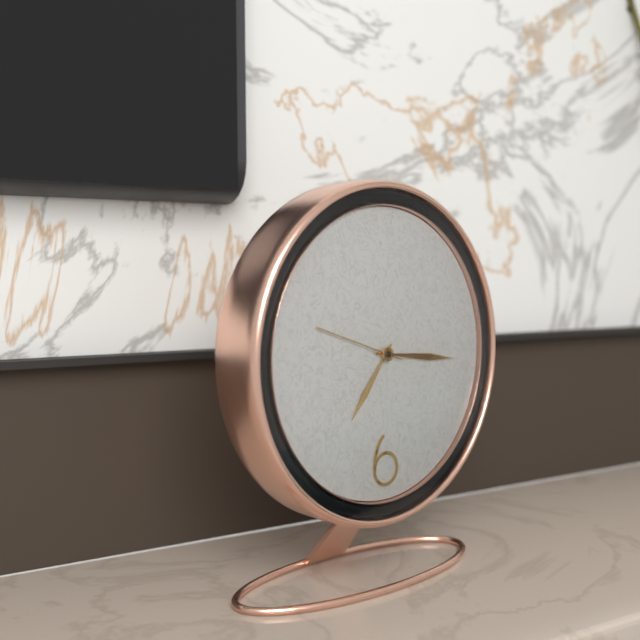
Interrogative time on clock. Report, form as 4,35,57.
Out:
7,16,48
